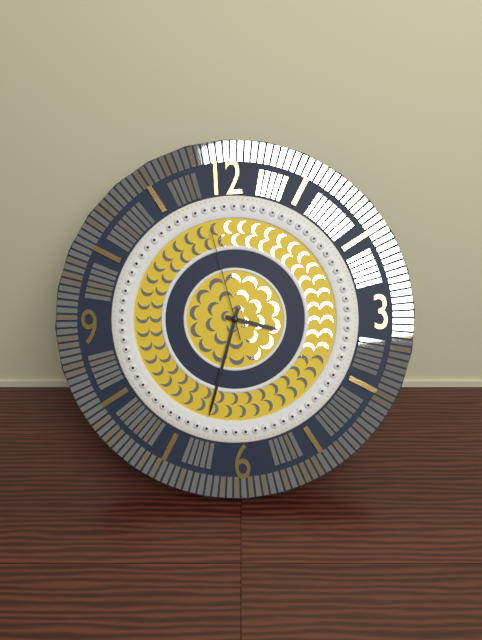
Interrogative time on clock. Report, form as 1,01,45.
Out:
3,33,58
